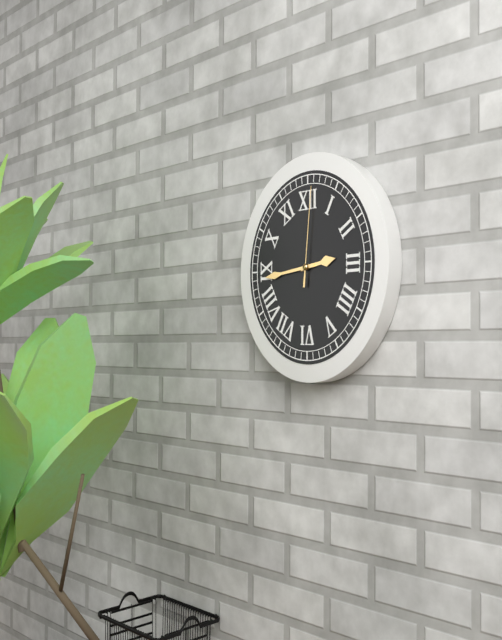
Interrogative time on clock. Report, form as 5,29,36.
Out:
2,44,01
